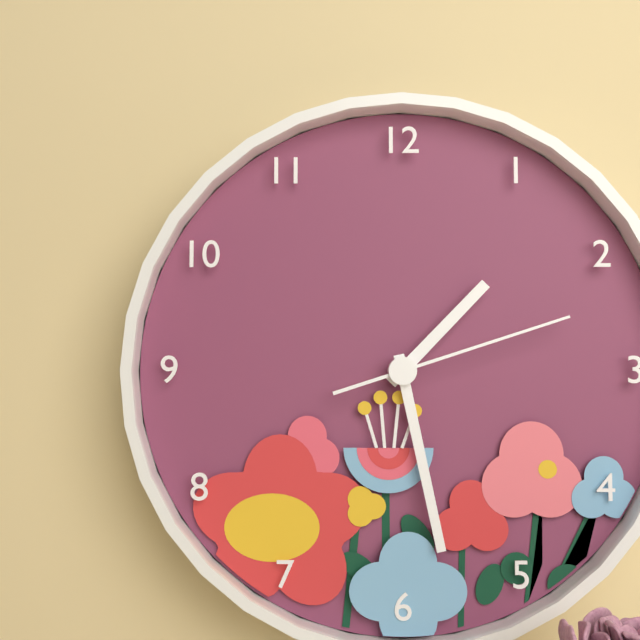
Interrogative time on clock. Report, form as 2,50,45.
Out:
1,28,12
